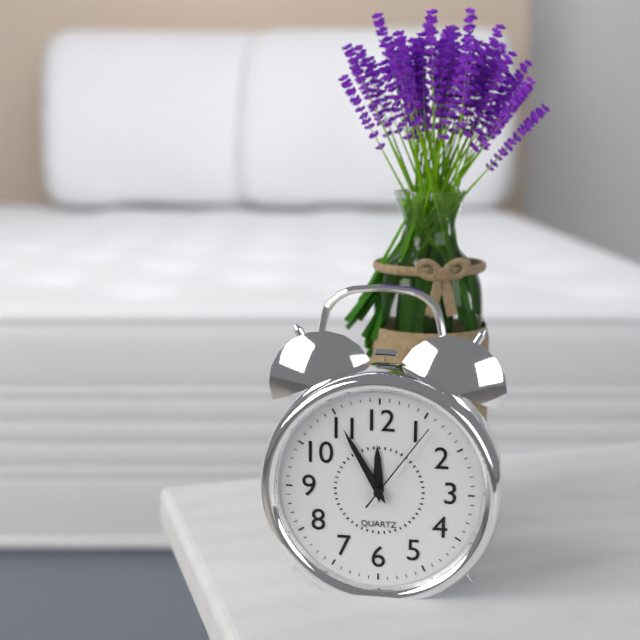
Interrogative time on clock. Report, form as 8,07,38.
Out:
11,55,06
